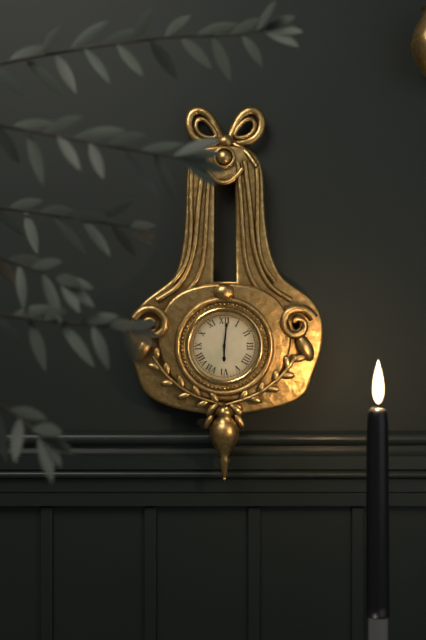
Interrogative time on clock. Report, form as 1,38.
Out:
6,01
